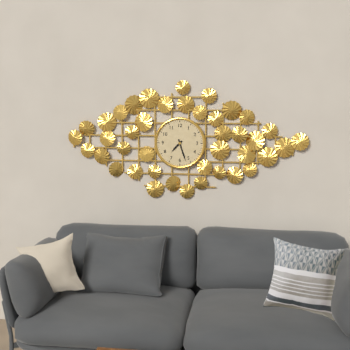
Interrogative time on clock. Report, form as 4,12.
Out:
7,27
